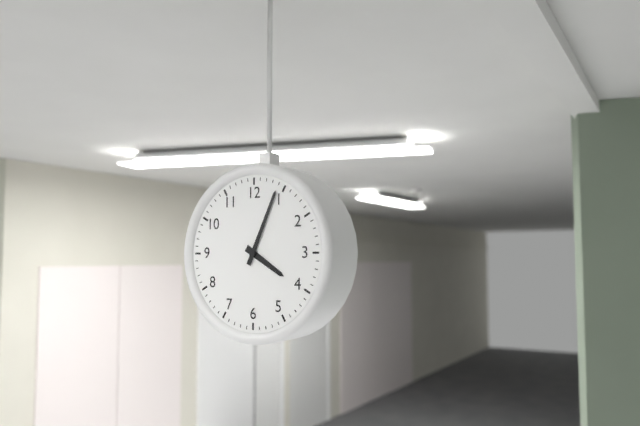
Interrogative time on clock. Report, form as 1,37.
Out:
4,04
